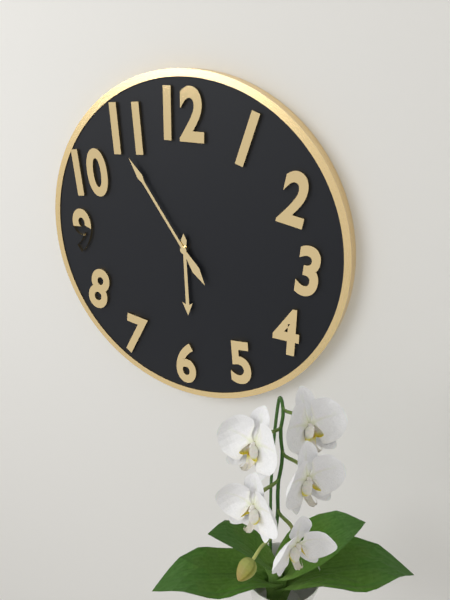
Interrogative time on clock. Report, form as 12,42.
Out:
5,54
